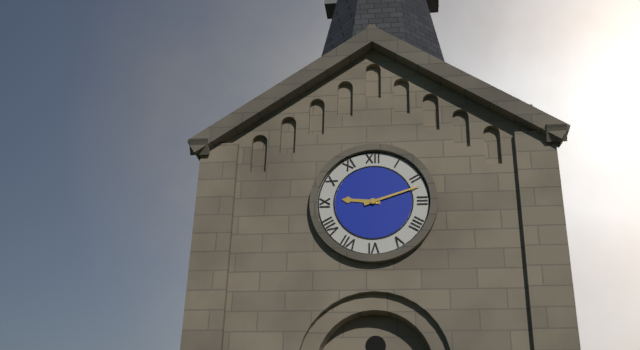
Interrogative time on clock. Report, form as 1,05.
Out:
9,12
